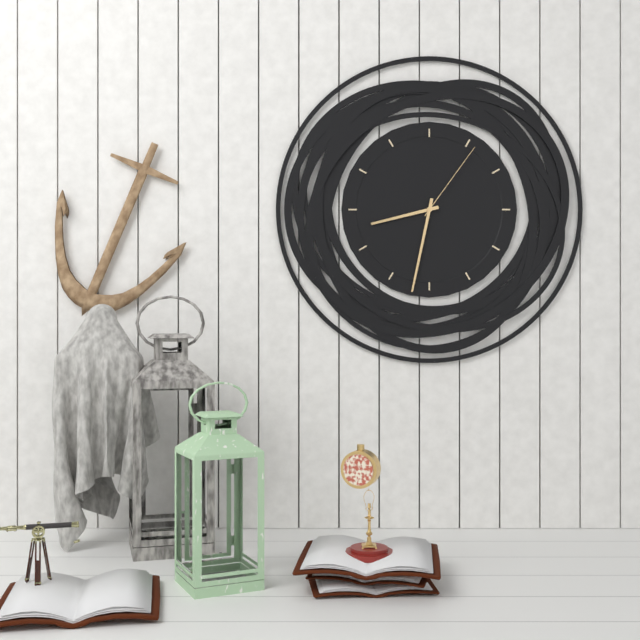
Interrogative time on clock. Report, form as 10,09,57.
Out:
8,32,06
